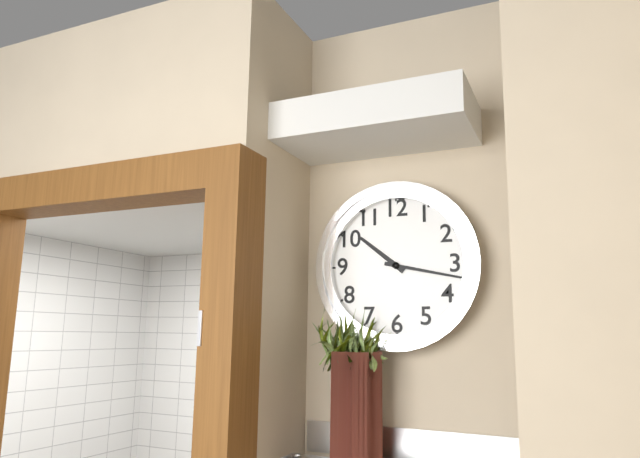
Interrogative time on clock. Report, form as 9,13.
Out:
10,17
